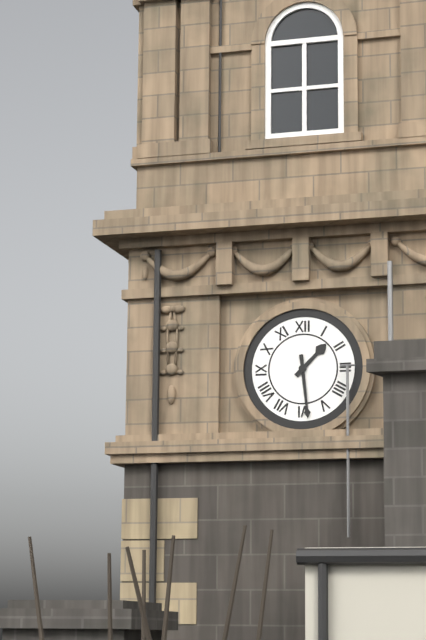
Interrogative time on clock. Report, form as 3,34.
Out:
1,29
